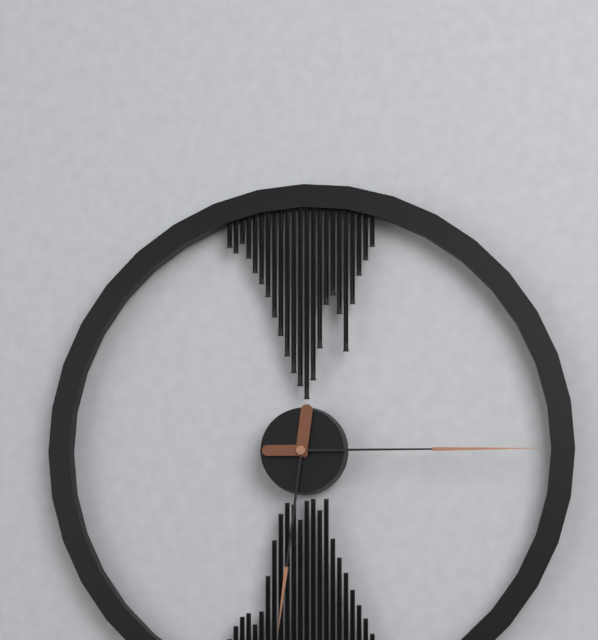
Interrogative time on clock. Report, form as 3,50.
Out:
6,15
